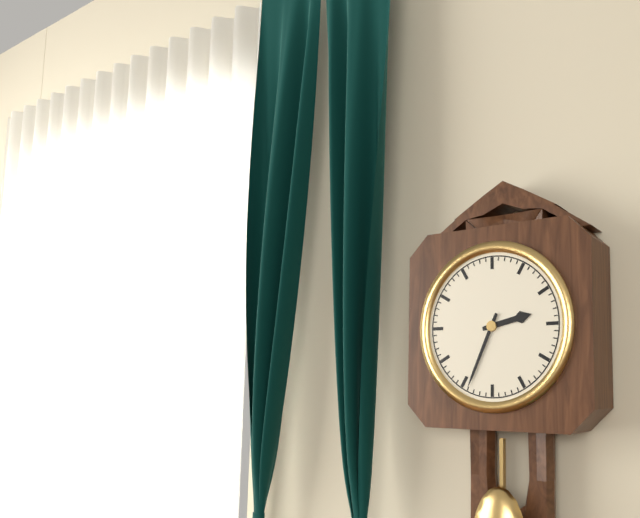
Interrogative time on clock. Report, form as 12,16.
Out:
2,34
